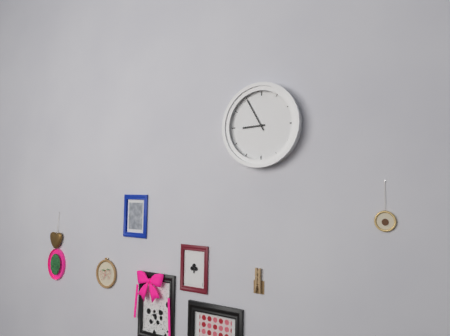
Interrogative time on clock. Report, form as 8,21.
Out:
8,55
